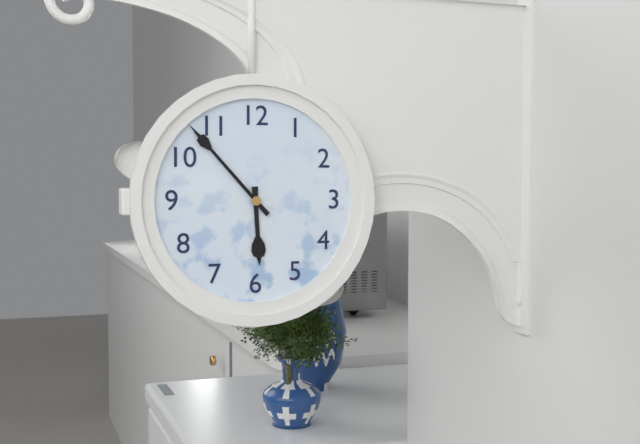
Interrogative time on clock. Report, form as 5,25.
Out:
5,53
